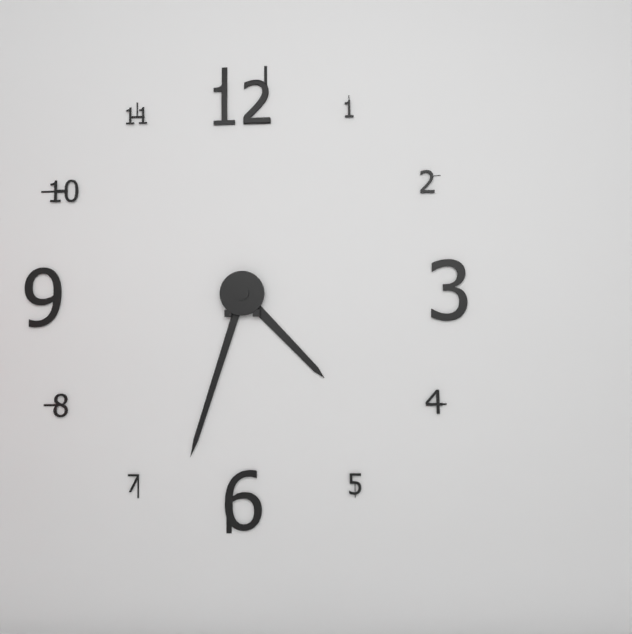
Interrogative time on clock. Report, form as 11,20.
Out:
4,33
